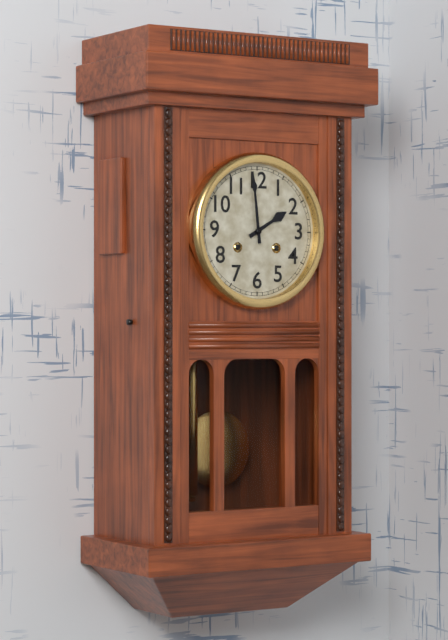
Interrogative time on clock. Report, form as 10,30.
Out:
1,59
